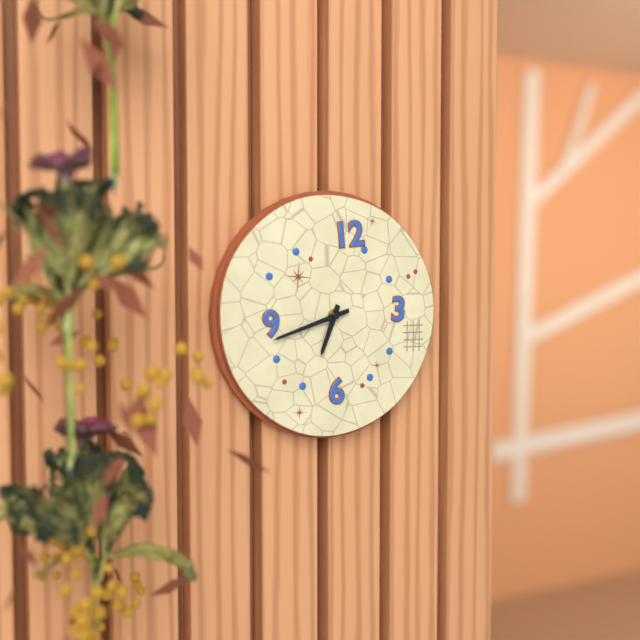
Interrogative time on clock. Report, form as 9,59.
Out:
6,42
